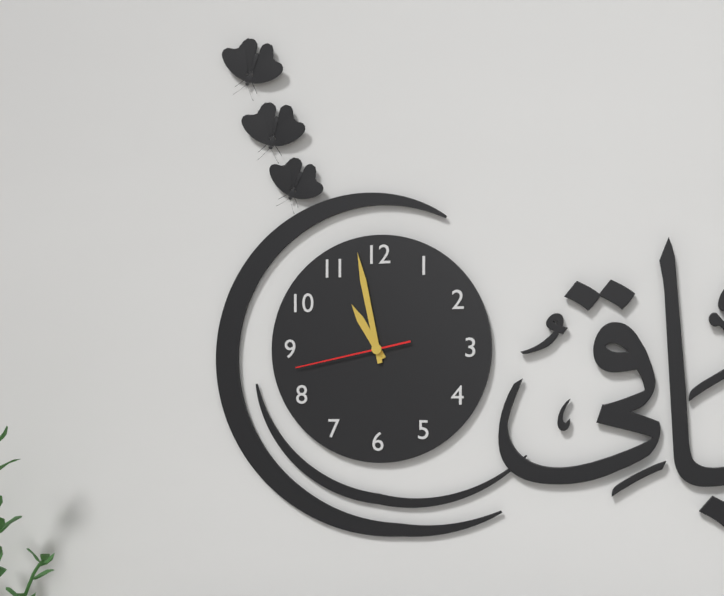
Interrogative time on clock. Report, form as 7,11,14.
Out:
10,58,43
